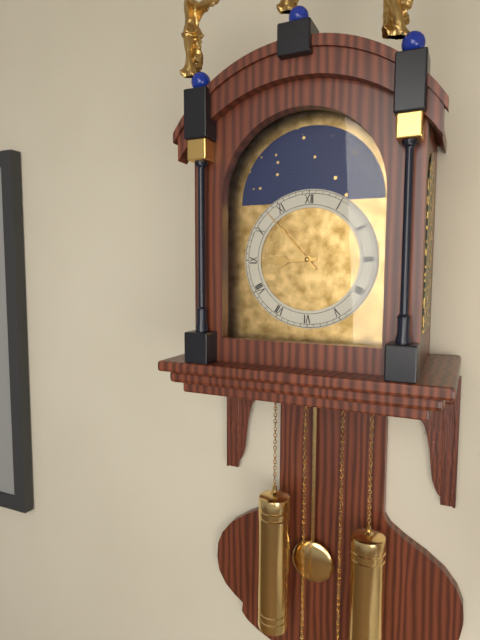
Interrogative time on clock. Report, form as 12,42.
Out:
8,53
